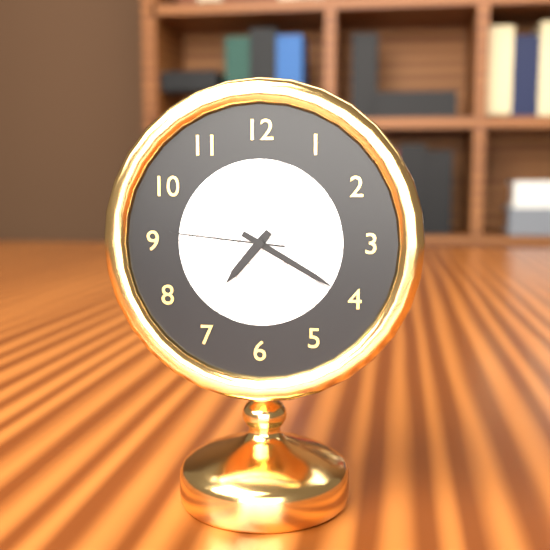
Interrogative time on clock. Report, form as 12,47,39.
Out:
7,20,46
